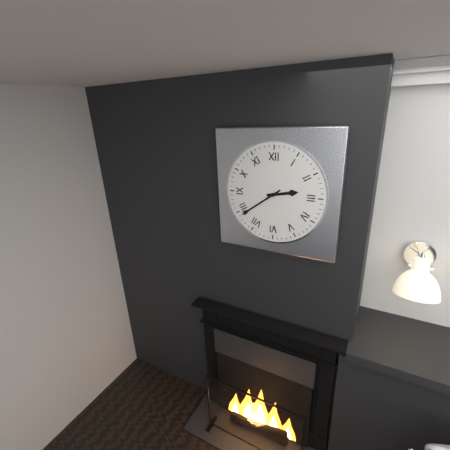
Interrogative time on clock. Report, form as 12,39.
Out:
2,39
